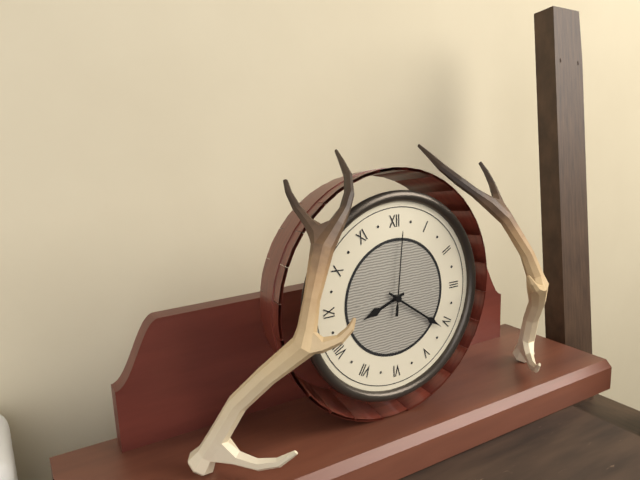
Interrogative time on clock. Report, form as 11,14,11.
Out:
8,21,01
